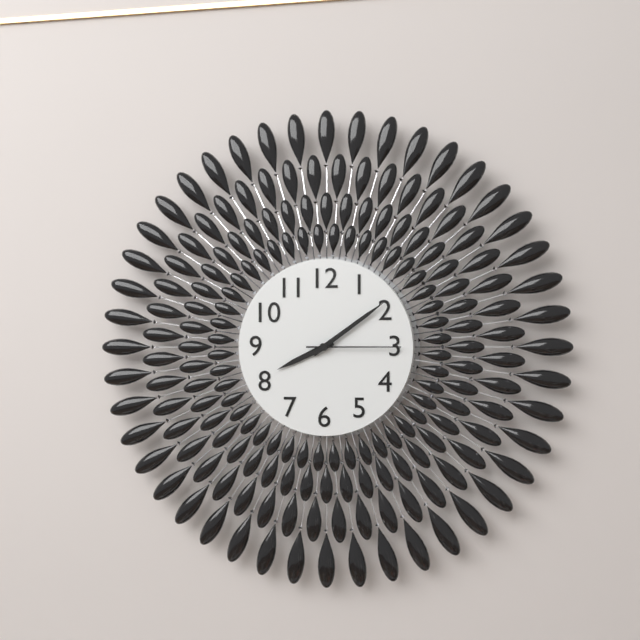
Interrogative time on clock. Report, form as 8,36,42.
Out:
8,09,15
